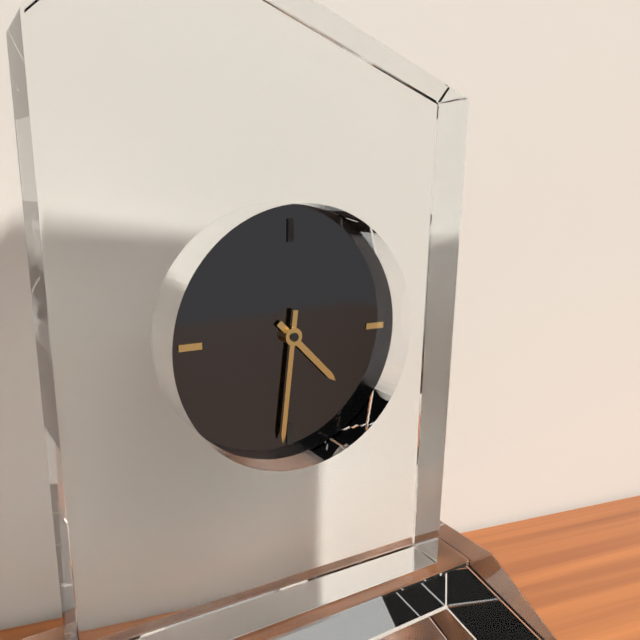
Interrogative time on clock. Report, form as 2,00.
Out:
4,31
